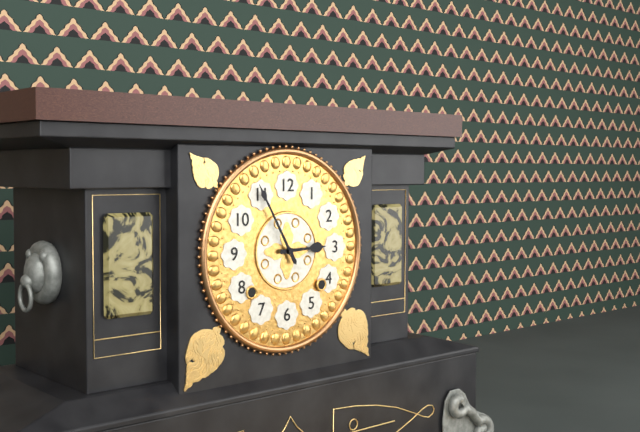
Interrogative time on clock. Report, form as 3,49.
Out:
2,55
